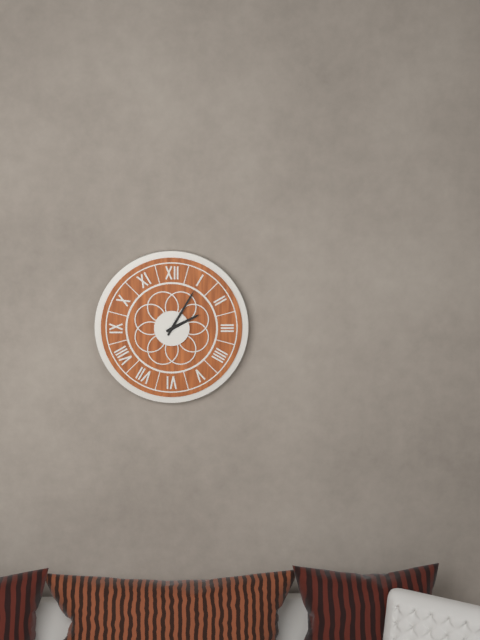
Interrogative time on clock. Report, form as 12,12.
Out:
2,05
